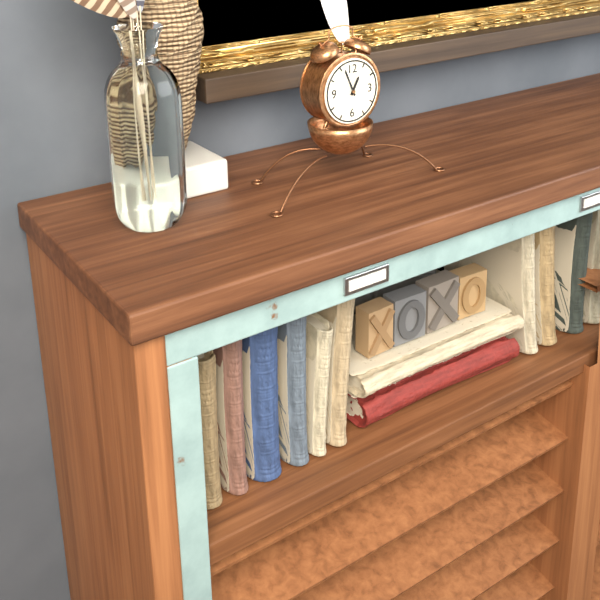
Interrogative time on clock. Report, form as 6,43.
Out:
12,56
